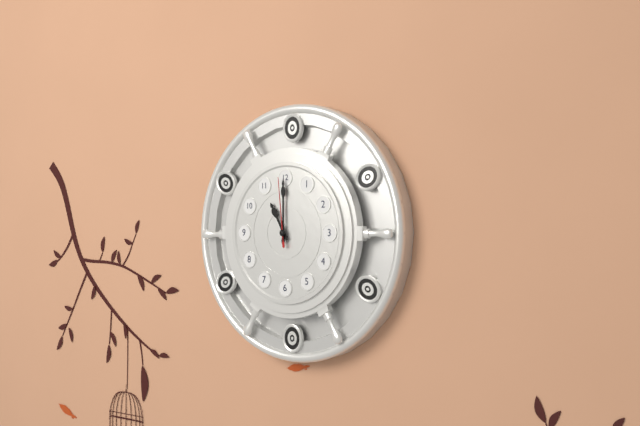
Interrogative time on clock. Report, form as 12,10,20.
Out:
11,00,59
